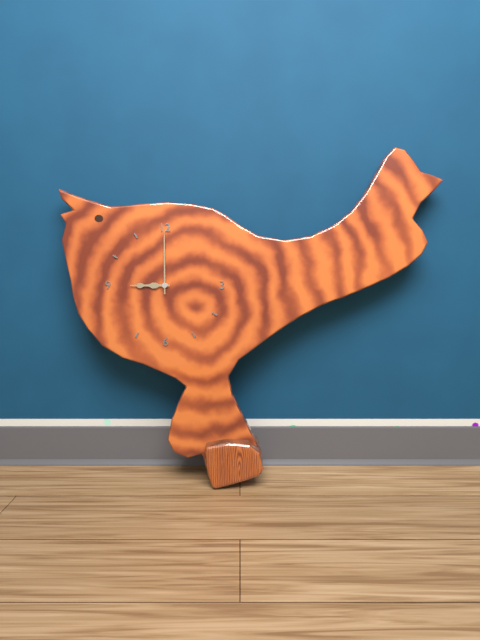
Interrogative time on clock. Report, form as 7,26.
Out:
9,00
